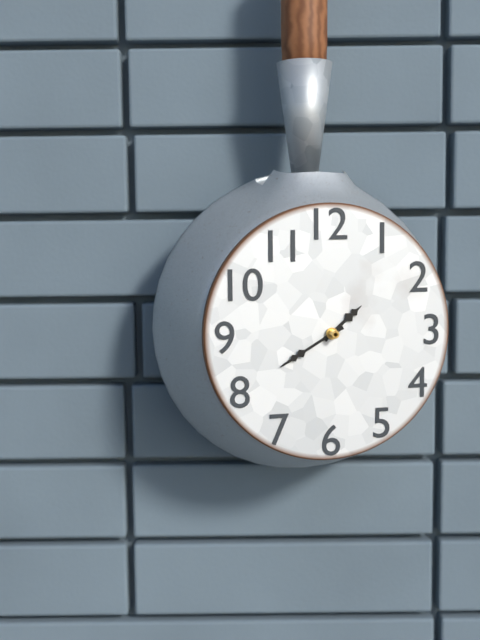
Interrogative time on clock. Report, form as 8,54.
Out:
1,40
